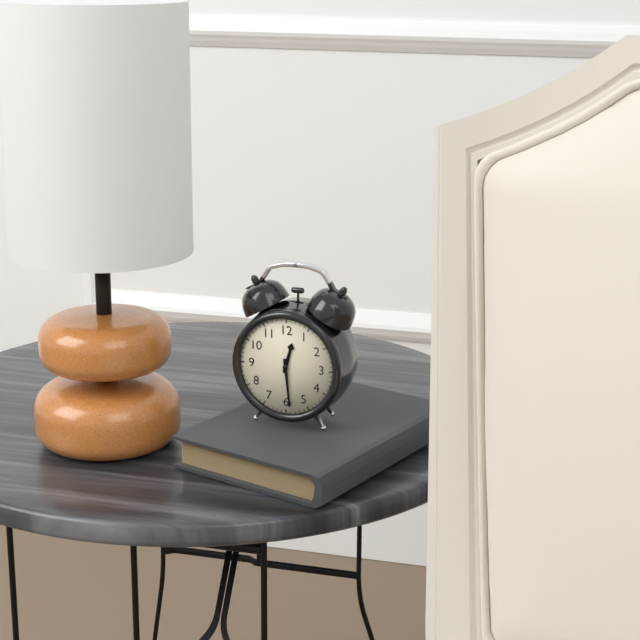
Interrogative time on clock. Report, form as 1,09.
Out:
12,29
